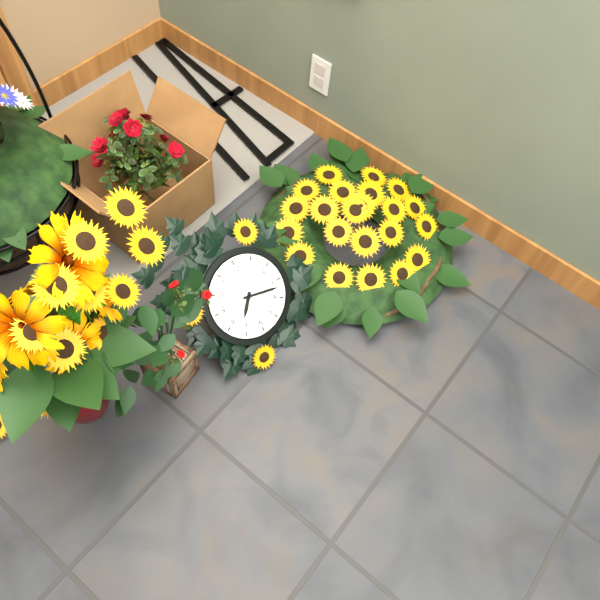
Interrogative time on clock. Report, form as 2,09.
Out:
7,17
